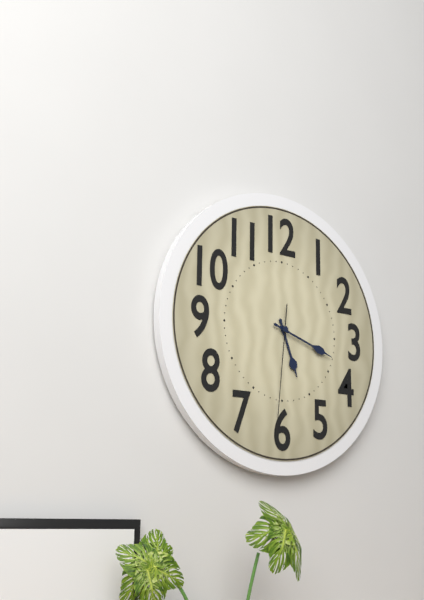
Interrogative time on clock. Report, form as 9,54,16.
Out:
5,18,31
